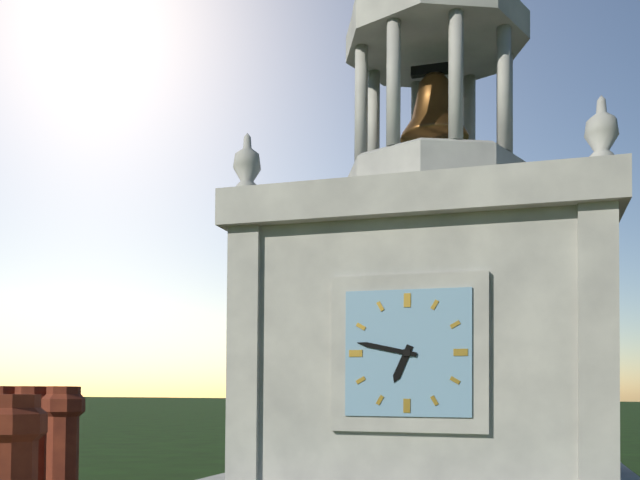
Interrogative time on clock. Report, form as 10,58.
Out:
6,47
